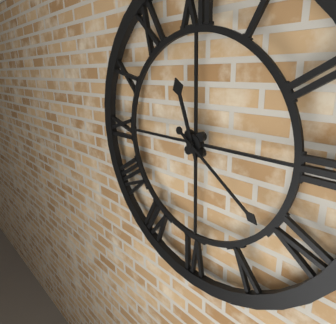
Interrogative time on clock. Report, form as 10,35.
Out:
11,21
